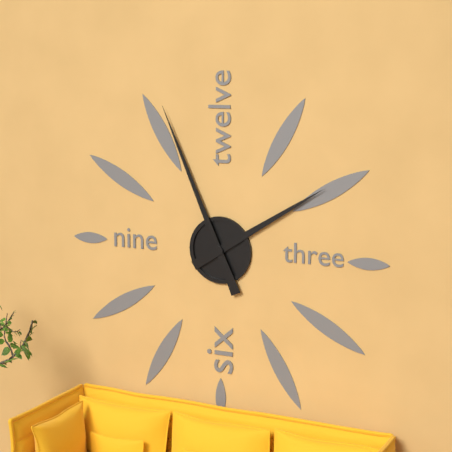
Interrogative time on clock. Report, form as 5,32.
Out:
1,56
